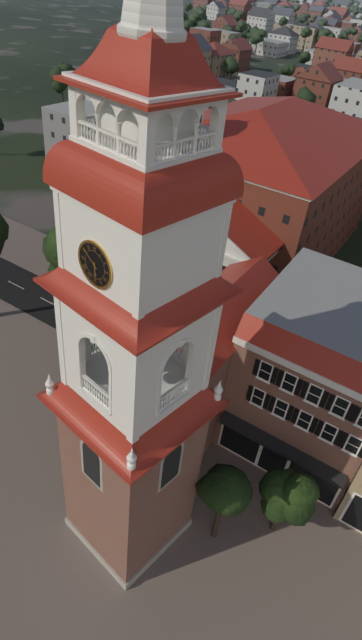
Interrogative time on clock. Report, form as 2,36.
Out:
5,51
